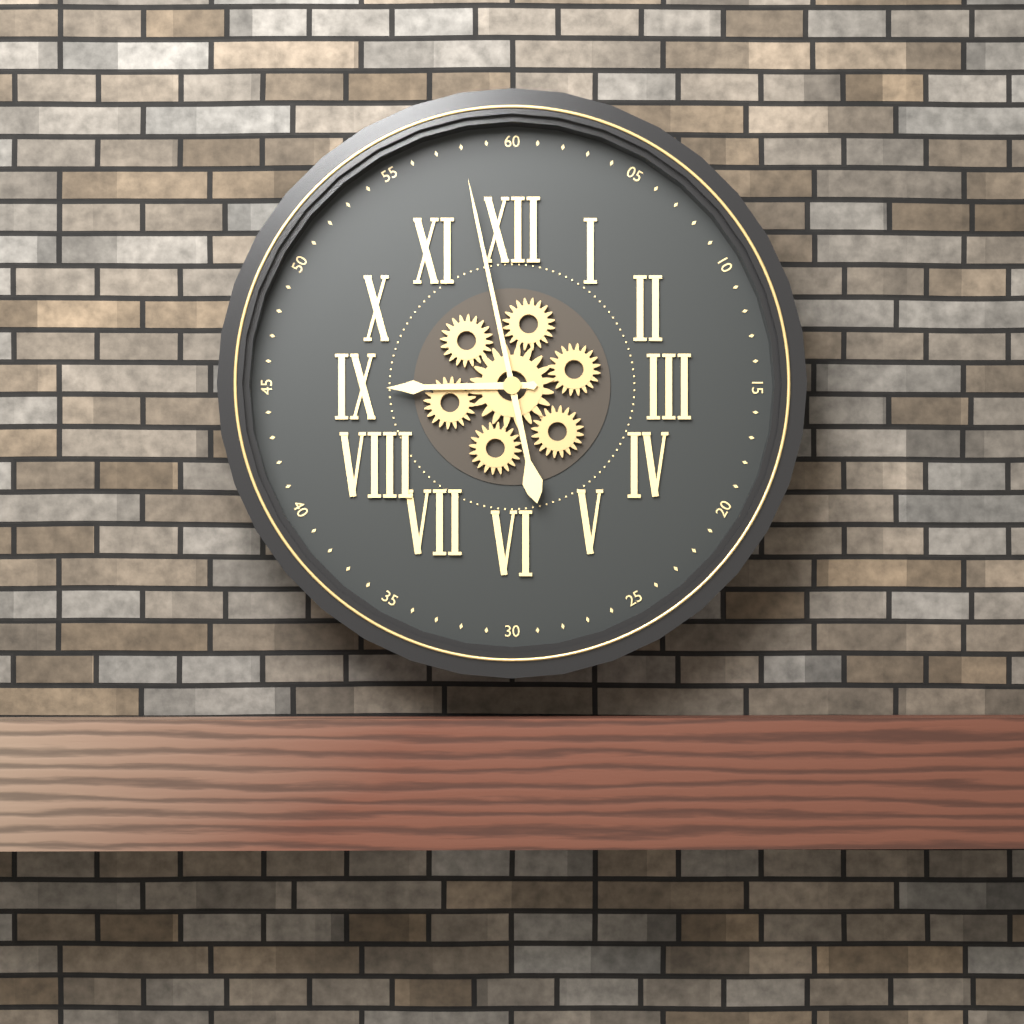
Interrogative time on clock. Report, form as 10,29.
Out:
8,58
